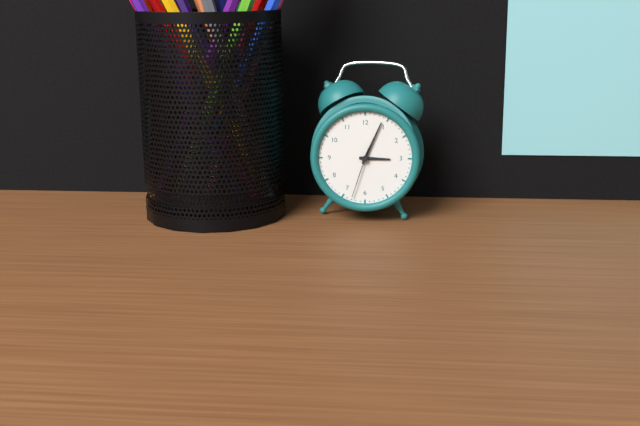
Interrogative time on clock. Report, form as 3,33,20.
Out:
3,04,33
